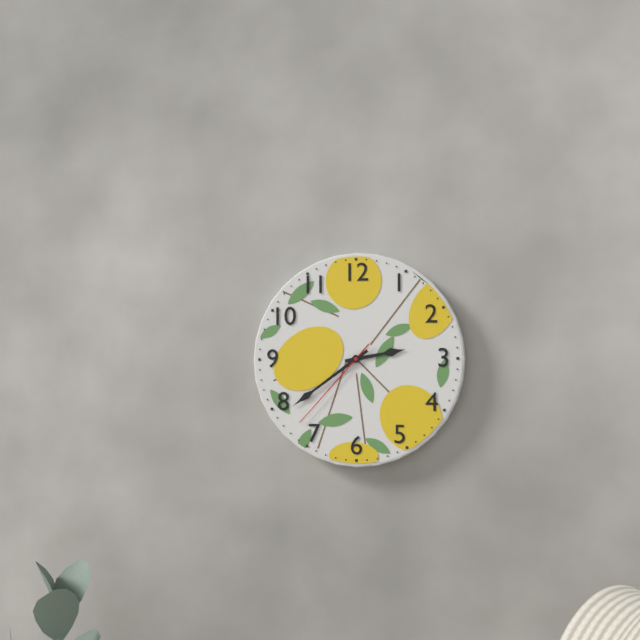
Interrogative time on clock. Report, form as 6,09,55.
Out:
2,39,37
